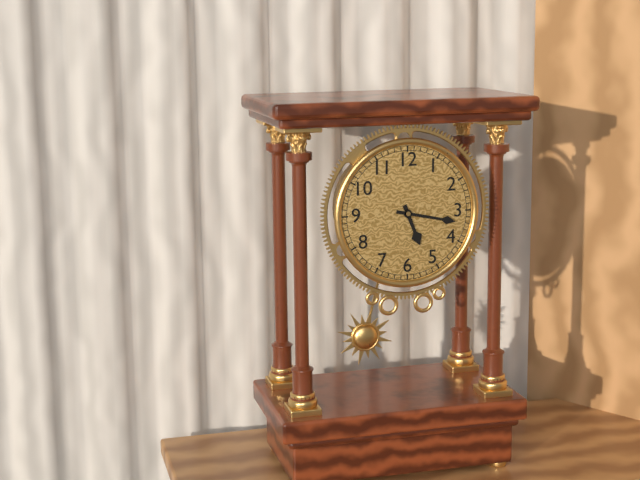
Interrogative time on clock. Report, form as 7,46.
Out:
5,17
